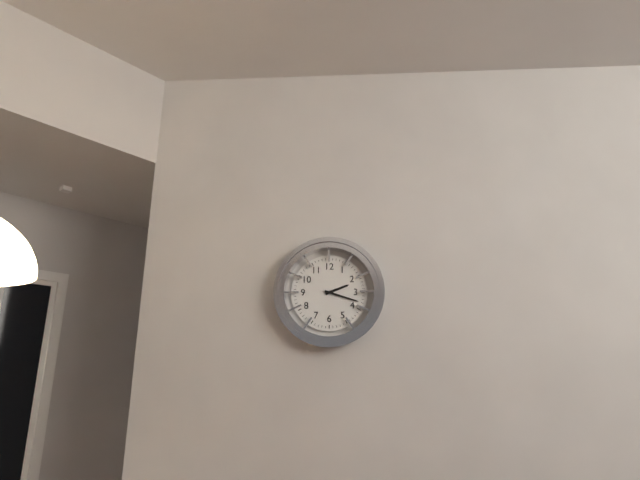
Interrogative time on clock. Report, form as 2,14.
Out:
2,18
